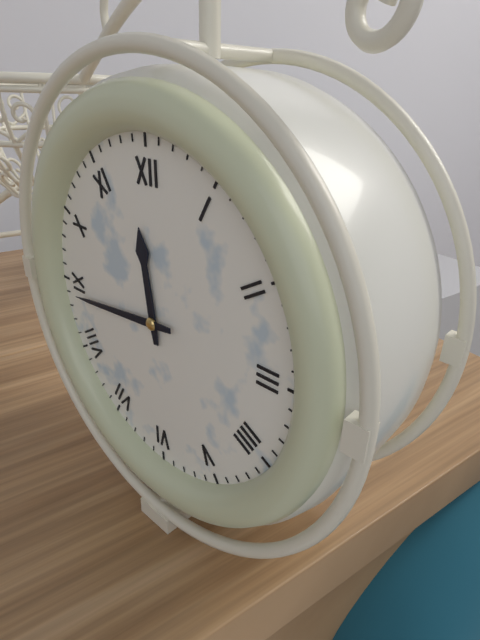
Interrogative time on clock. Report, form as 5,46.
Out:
11,44
